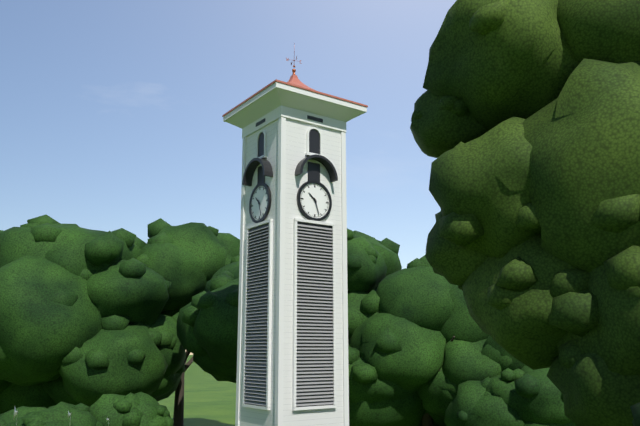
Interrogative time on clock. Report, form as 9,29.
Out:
10,27
